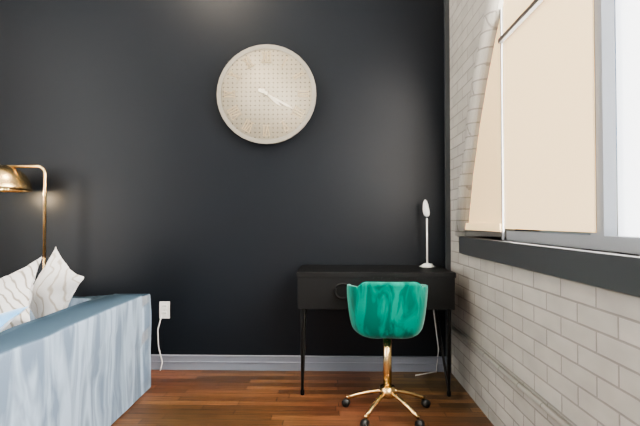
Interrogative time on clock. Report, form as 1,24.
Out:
4,20
